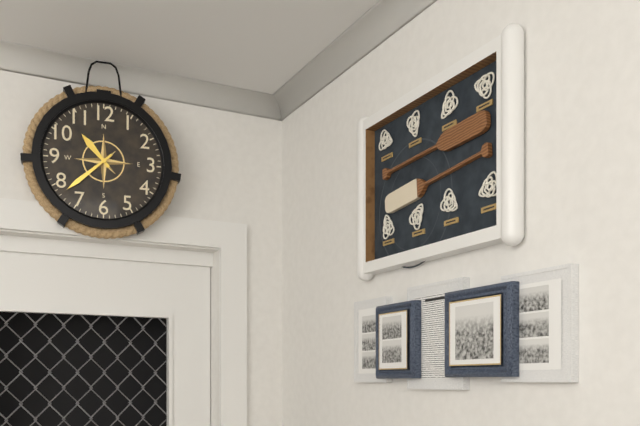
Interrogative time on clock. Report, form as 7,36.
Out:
10,38
